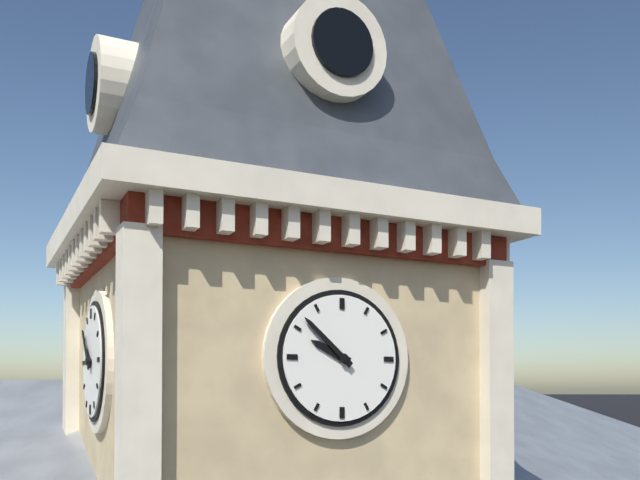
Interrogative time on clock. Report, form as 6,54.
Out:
9,52
